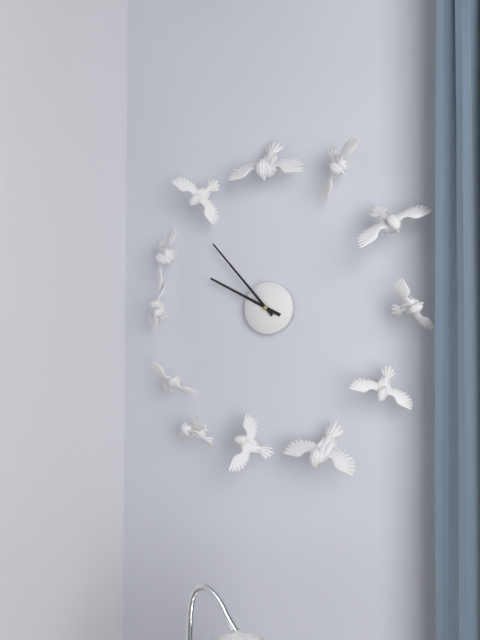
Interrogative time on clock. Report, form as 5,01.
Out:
9,53
